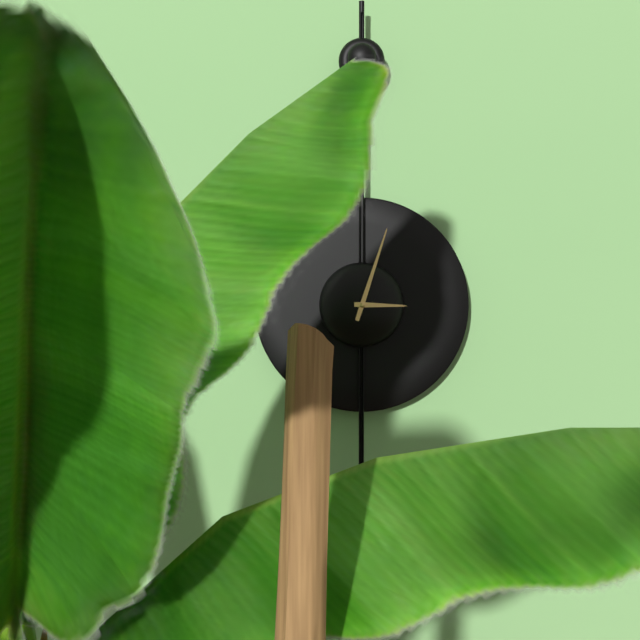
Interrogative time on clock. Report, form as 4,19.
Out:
3,03
